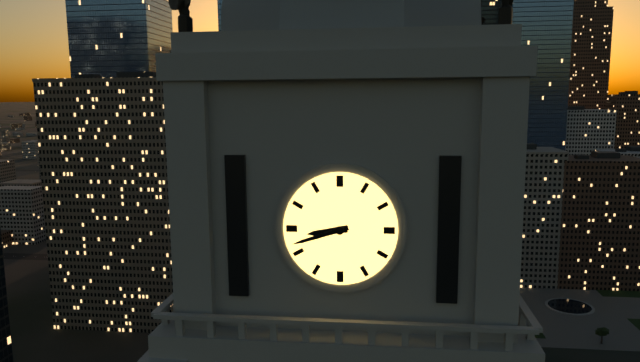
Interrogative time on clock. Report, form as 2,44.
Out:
8,42
